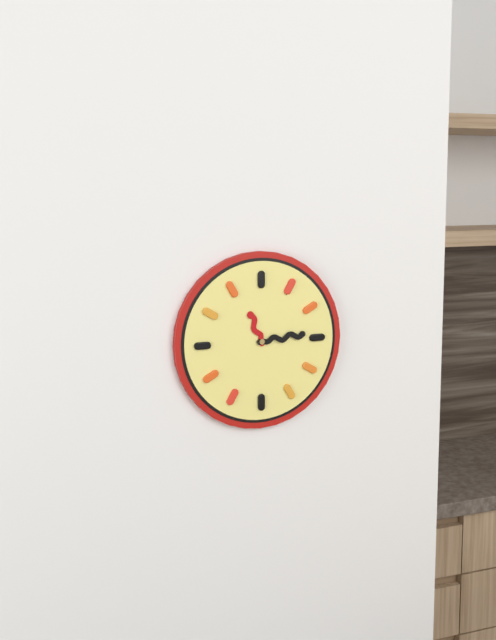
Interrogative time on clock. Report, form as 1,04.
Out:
11,14
